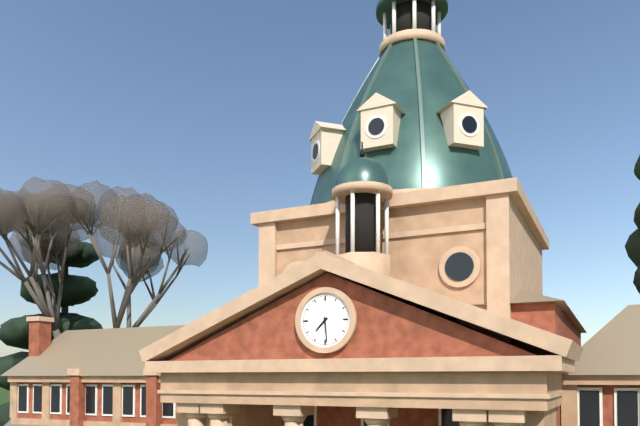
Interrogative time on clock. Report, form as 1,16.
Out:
7,29
